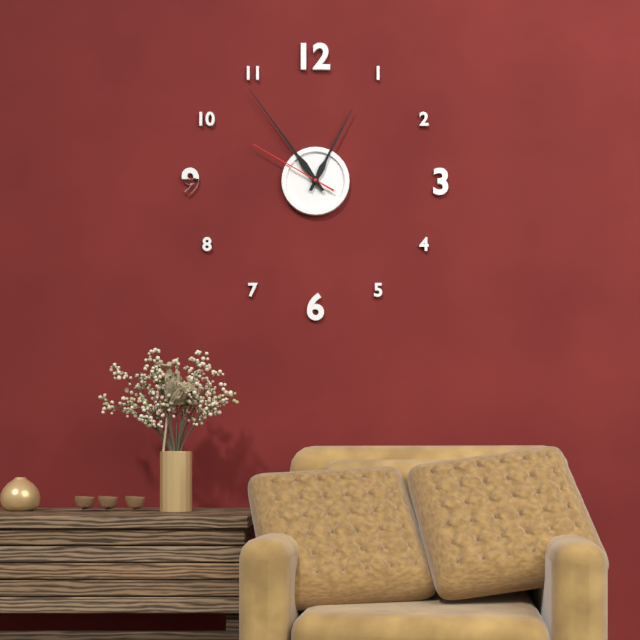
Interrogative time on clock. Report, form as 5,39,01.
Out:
12,54,50
